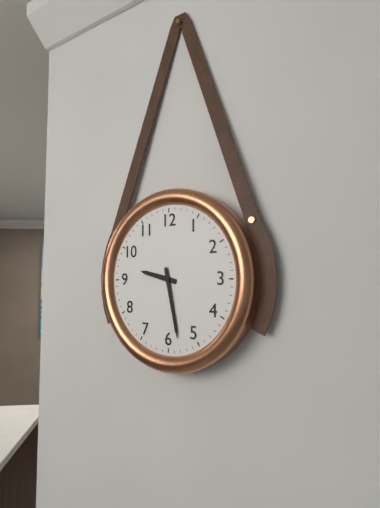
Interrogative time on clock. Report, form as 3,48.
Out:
9,28
